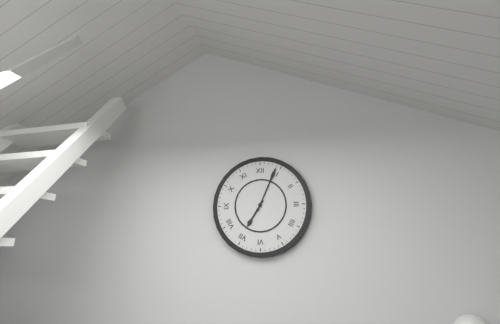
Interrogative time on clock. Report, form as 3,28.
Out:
7,04
